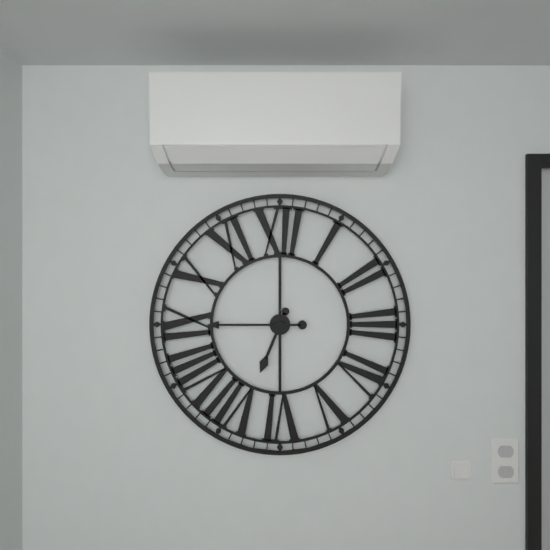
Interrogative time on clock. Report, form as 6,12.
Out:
6,45
